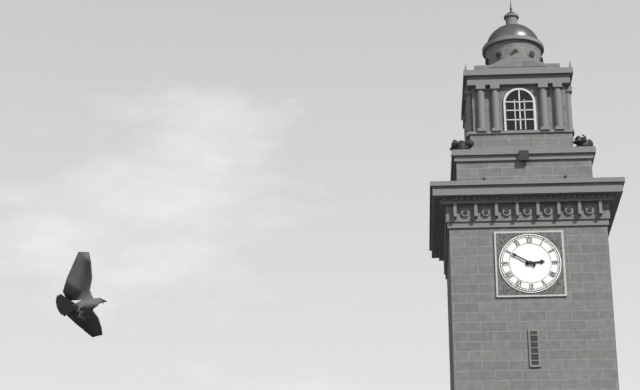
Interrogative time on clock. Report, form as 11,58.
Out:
2,50
